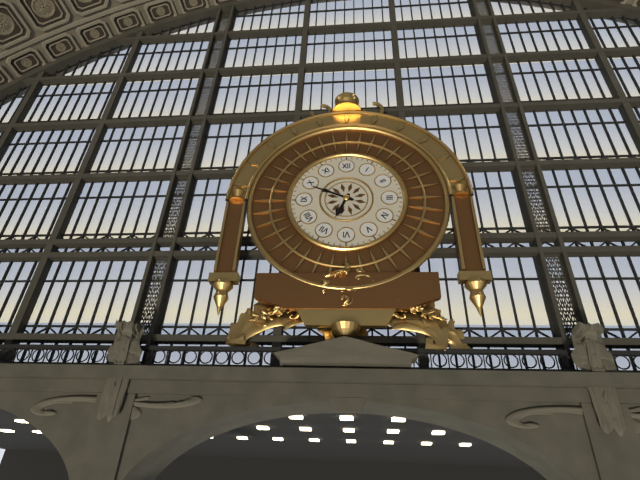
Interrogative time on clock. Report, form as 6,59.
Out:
6,49
